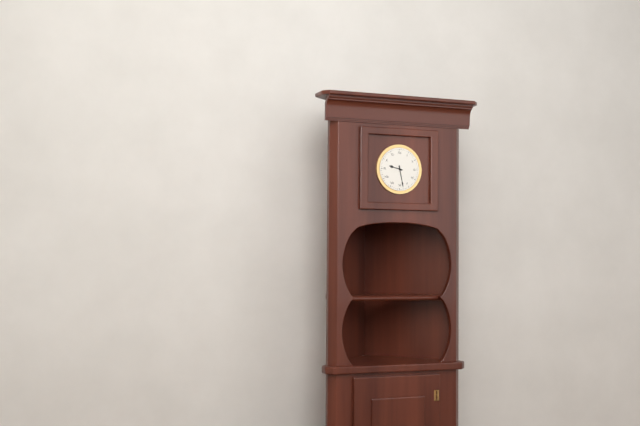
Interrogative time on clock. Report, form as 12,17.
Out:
9,28
